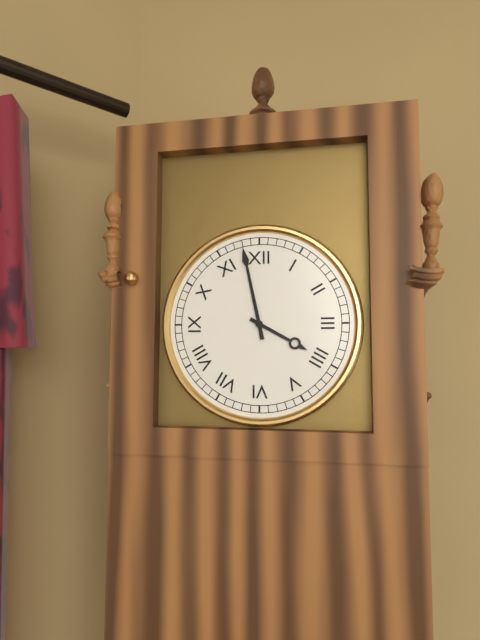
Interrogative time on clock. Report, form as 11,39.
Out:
3,58
